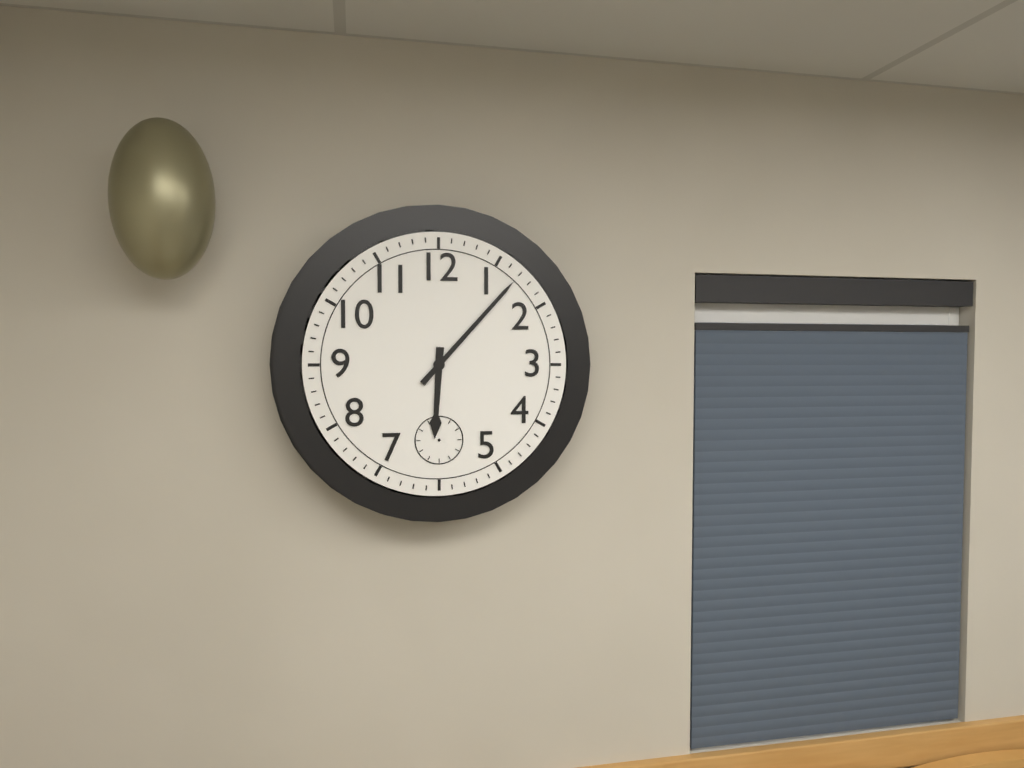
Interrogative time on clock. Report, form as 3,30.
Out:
6,07
